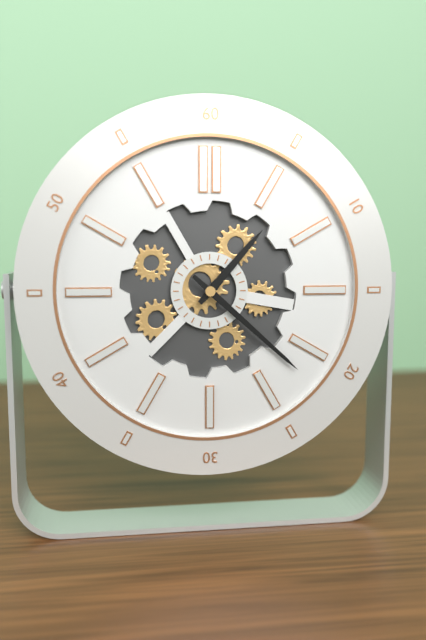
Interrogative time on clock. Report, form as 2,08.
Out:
1,22
